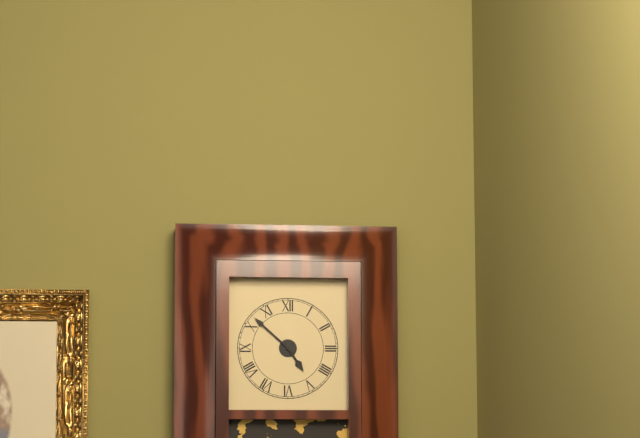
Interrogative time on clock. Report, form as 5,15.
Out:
4,52
